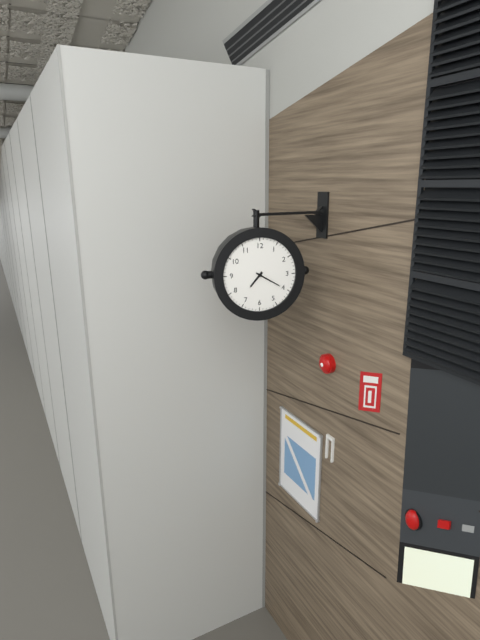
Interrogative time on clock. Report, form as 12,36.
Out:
7,20
